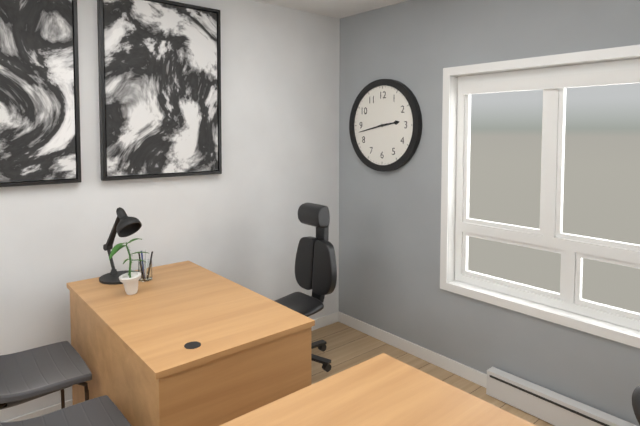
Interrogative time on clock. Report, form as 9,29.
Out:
2,43
